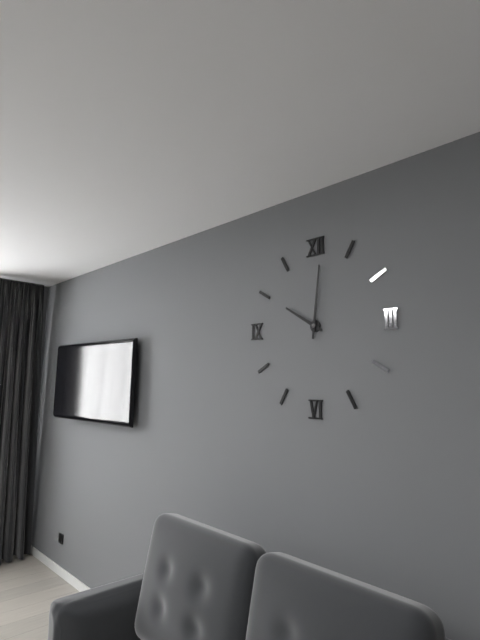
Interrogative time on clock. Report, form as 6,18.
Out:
10,01
